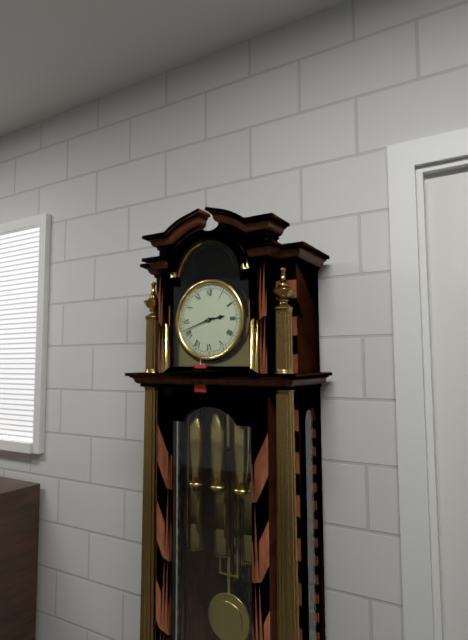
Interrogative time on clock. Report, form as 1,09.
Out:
2,42
